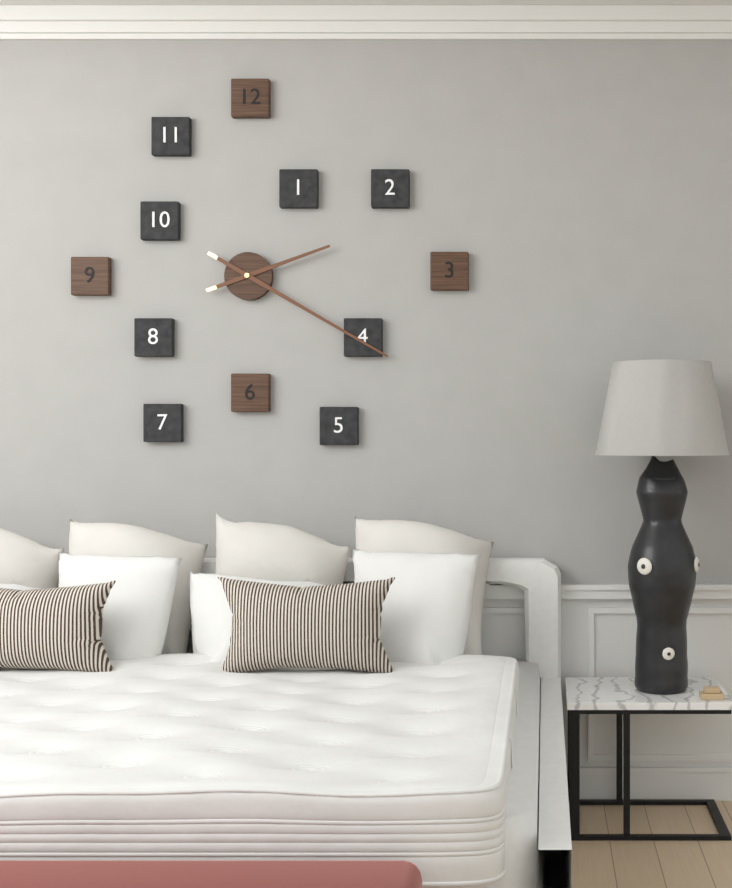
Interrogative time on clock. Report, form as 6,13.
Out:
2,20
